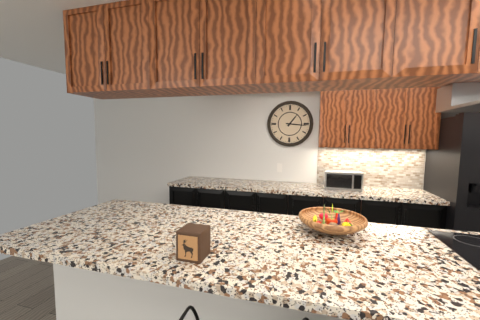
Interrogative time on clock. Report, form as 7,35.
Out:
1,16
